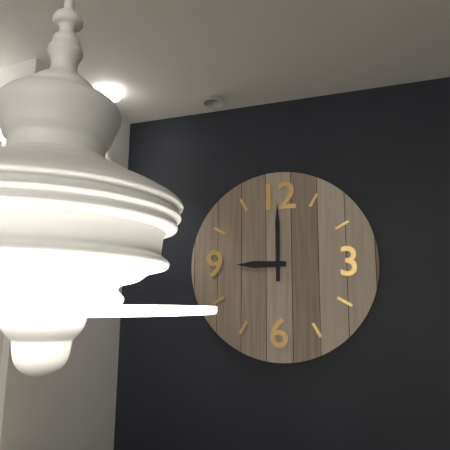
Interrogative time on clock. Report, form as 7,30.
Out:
9,00
